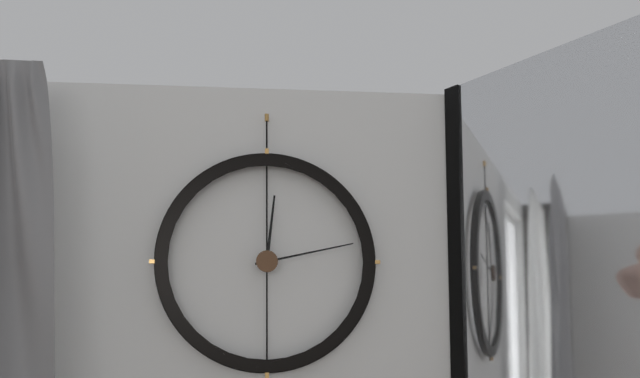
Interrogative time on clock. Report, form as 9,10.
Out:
12,13
